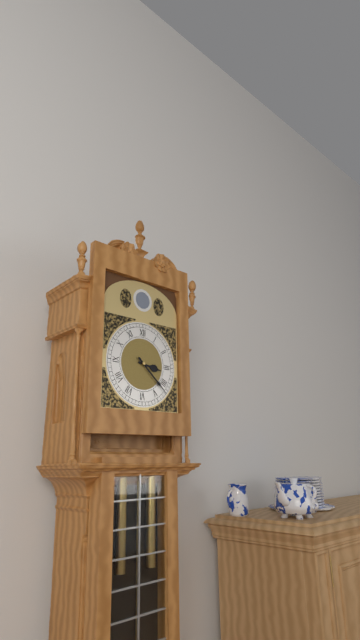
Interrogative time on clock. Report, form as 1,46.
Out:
3,22
